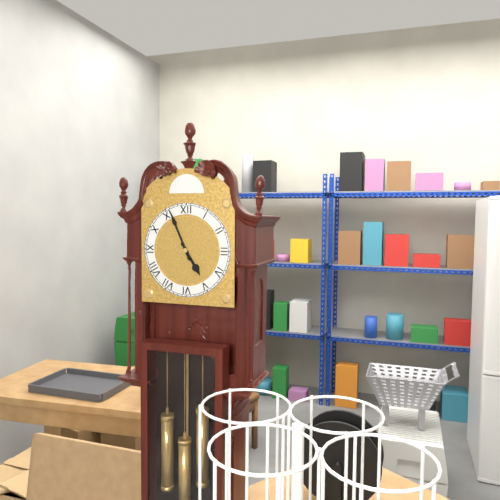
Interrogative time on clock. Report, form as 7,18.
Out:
4,56
